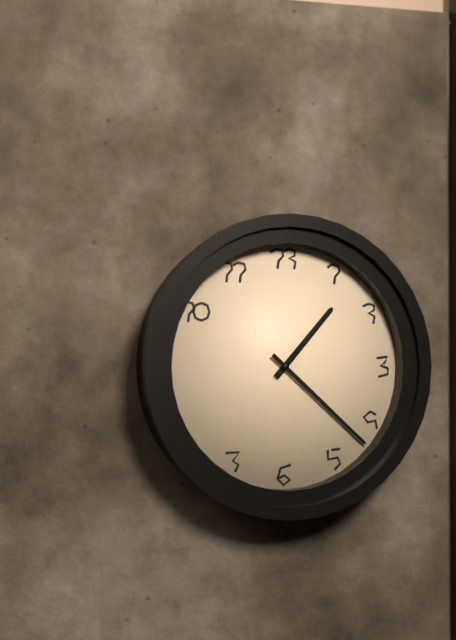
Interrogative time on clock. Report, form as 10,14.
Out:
1,22
